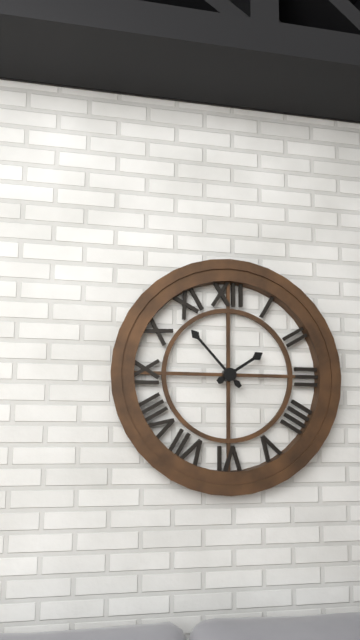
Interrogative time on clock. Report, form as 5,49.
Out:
1,53
